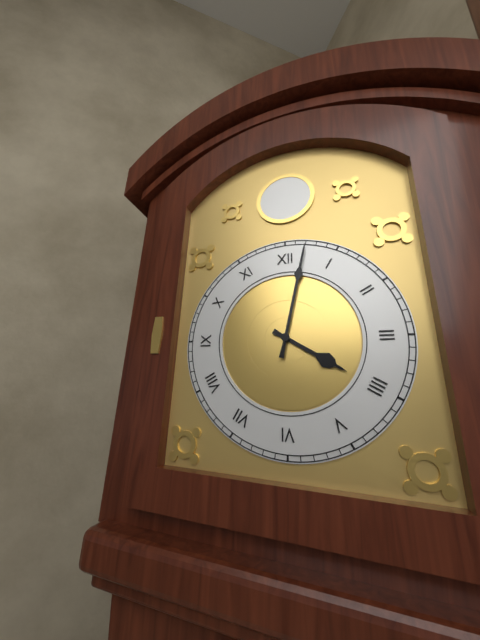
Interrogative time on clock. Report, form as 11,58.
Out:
4,02
